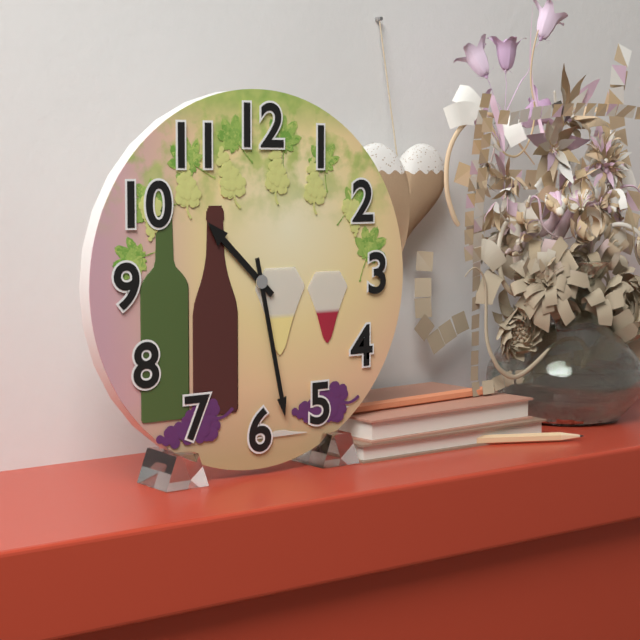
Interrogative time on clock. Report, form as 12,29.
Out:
10,28
